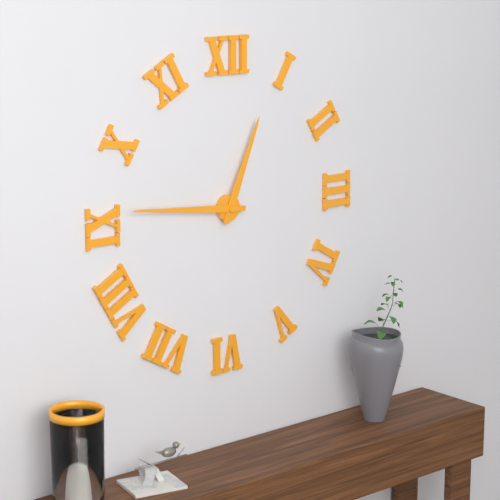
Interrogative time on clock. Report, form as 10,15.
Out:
12,46
